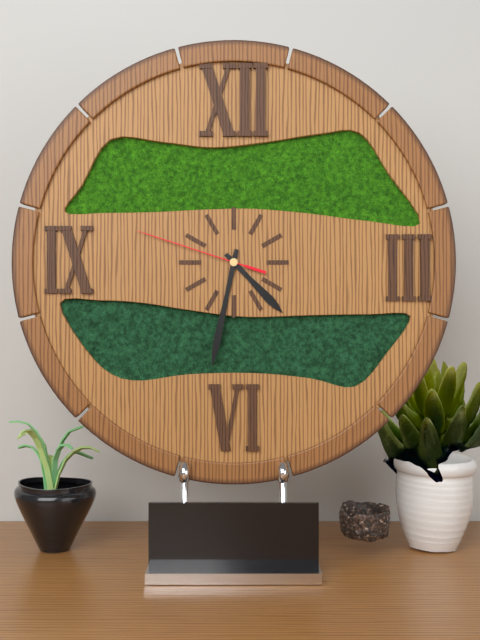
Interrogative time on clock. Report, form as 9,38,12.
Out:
4,32,48
